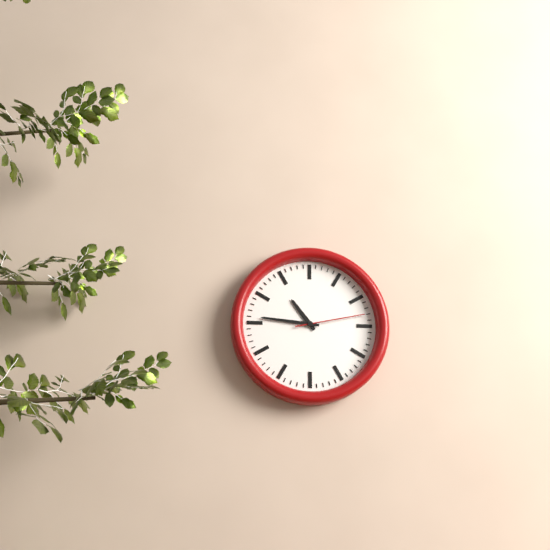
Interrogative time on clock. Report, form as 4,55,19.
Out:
10,46,13
